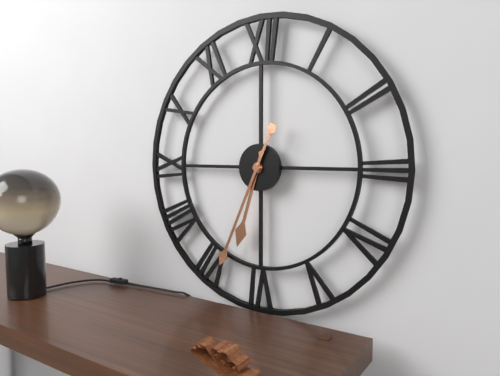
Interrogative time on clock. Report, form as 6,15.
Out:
6,34
